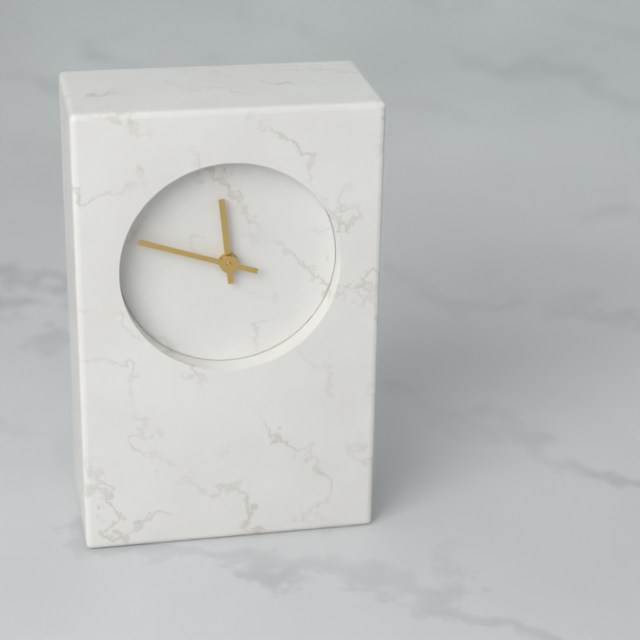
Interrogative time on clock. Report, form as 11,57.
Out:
11,48
